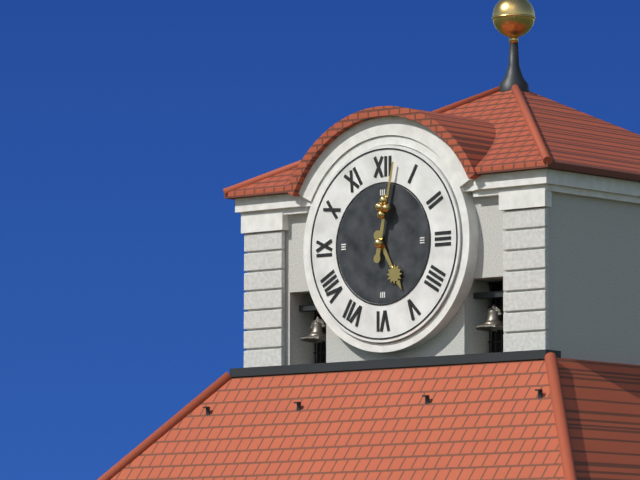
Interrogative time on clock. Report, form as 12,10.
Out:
5,02
